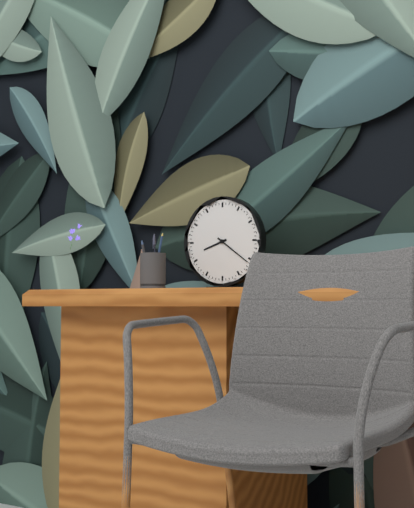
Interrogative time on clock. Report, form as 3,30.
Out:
8,21
